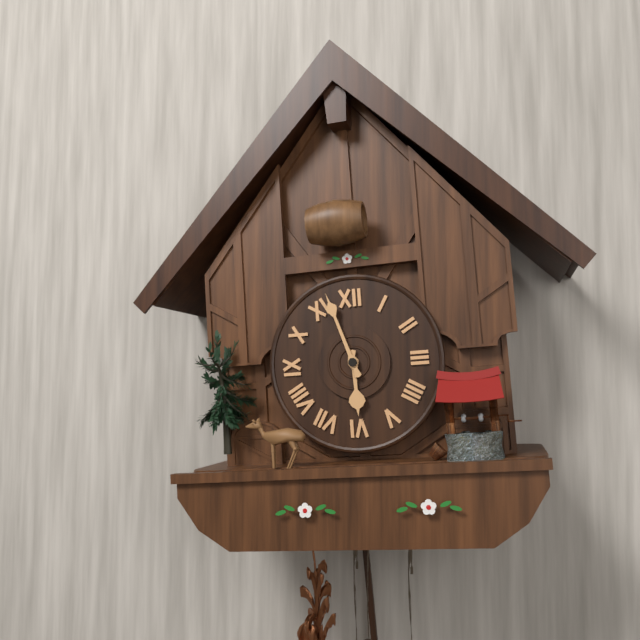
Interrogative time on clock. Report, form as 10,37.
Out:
5,57
